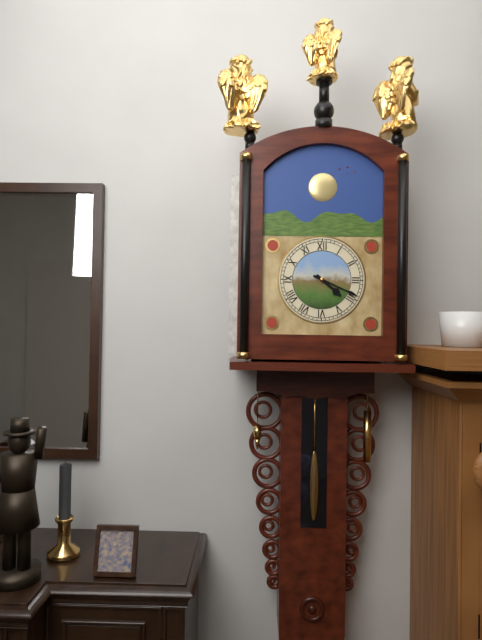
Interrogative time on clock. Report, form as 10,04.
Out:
4,19
